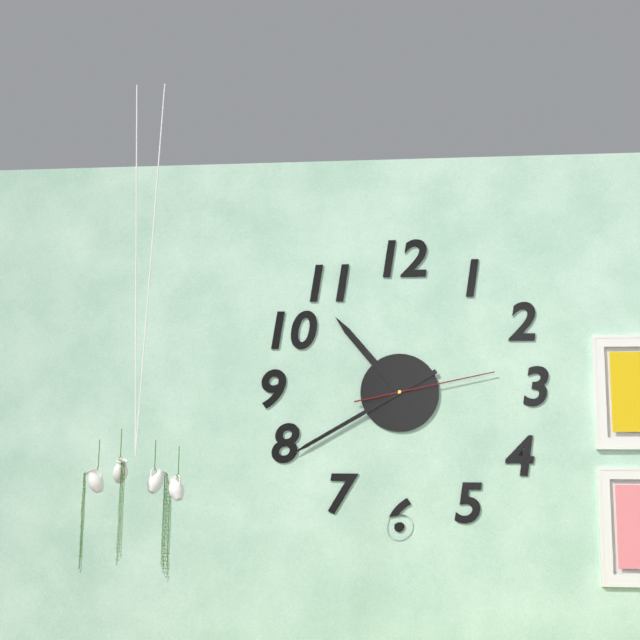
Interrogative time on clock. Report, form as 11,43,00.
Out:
10,40,13
